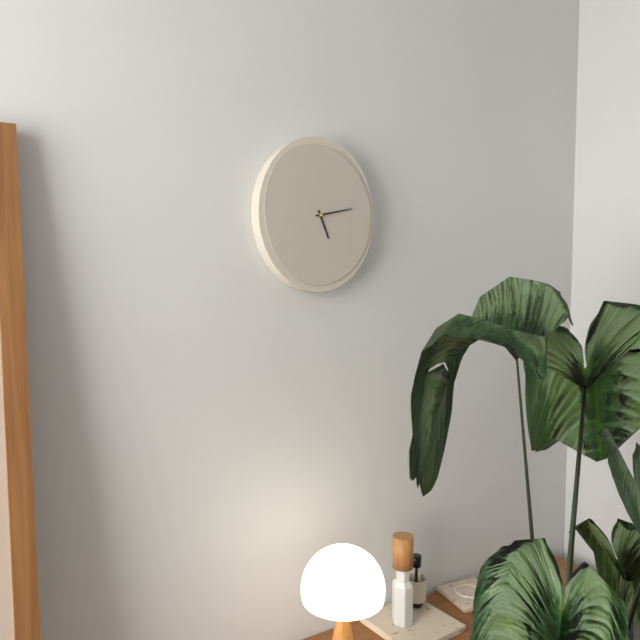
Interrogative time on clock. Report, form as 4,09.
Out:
5,13
